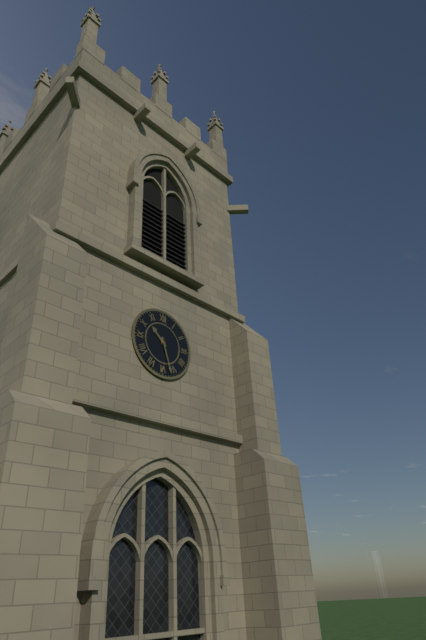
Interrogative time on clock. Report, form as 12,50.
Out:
10,27
